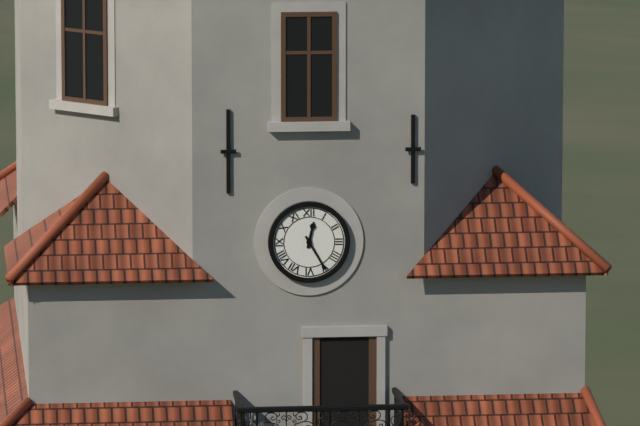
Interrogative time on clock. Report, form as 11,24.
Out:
12,25
